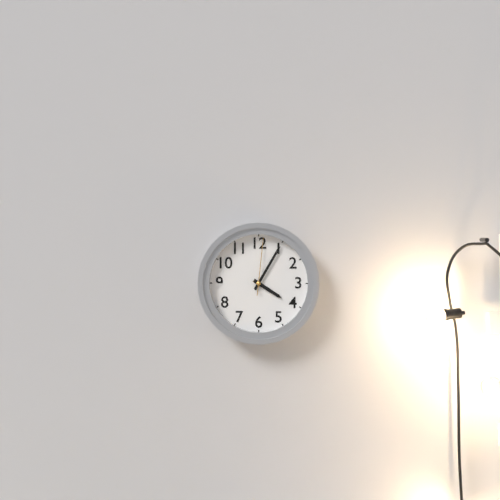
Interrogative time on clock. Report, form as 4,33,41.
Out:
4,05,01
